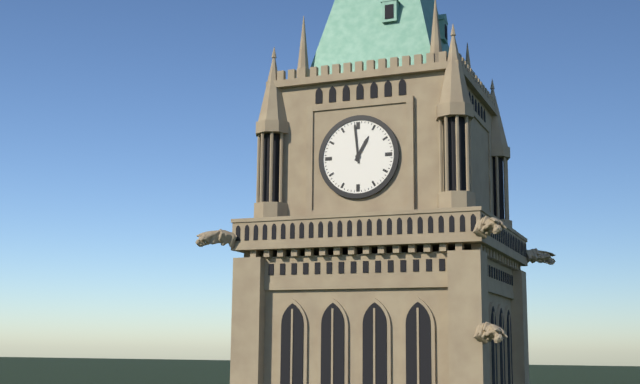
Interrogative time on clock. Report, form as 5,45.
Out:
12,59
